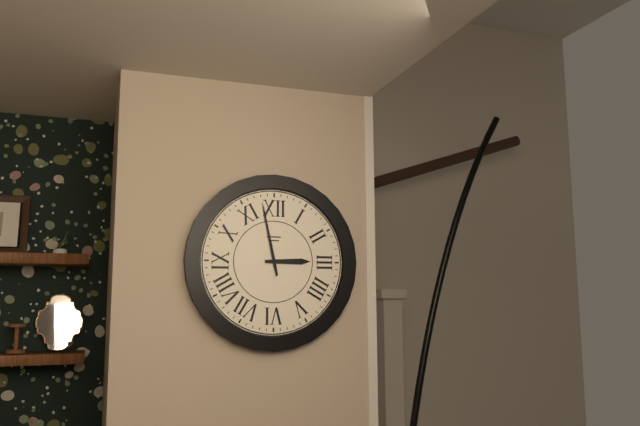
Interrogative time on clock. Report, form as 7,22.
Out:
2,58
